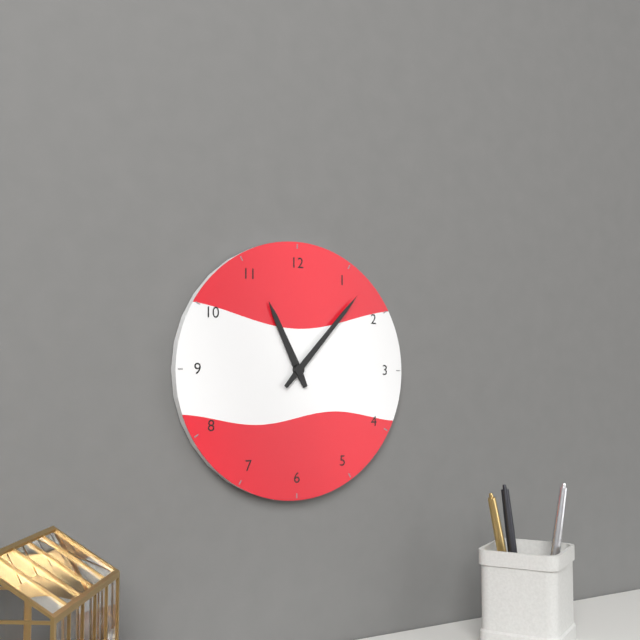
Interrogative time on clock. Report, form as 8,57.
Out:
11,07
